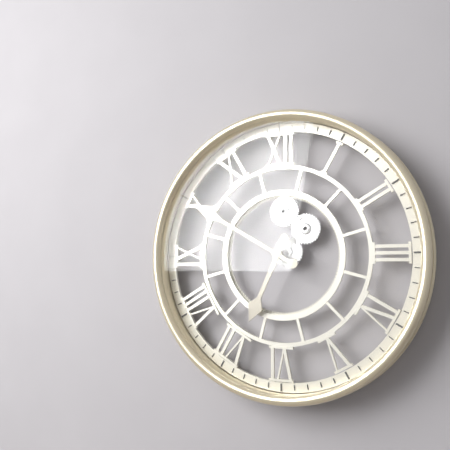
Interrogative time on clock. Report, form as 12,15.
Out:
6,50
